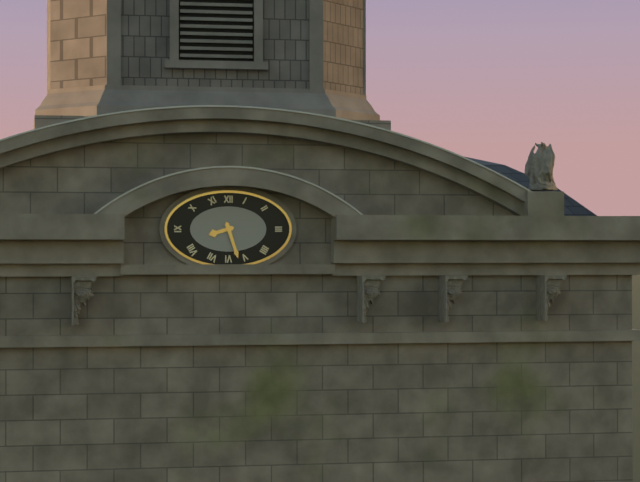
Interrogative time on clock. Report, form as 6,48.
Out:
8,27
